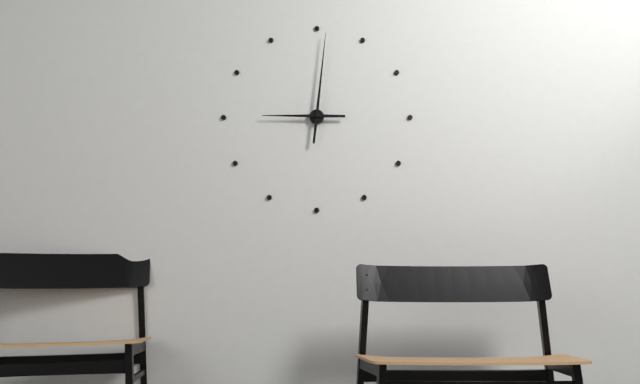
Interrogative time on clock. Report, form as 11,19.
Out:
9,01
